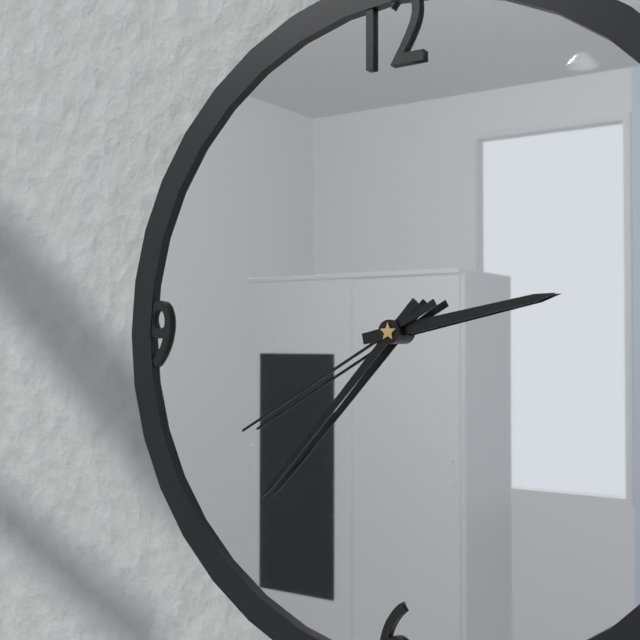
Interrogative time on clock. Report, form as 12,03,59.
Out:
2,37,40
